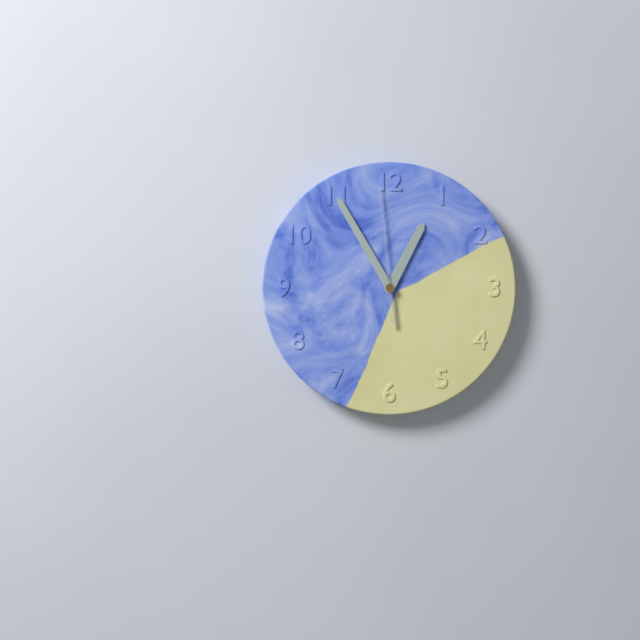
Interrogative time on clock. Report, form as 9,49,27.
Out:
12,55,59
